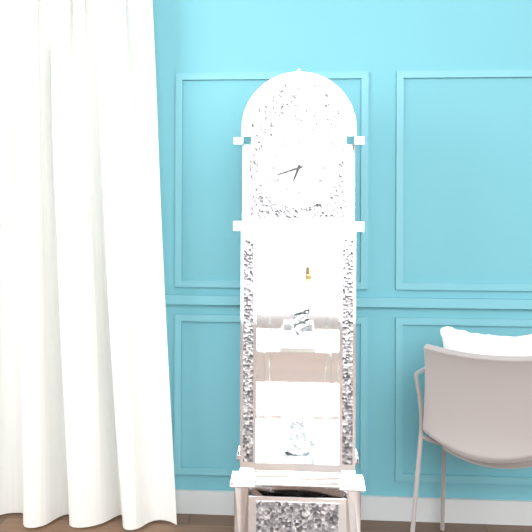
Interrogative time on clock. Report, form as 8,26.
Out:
6,42
